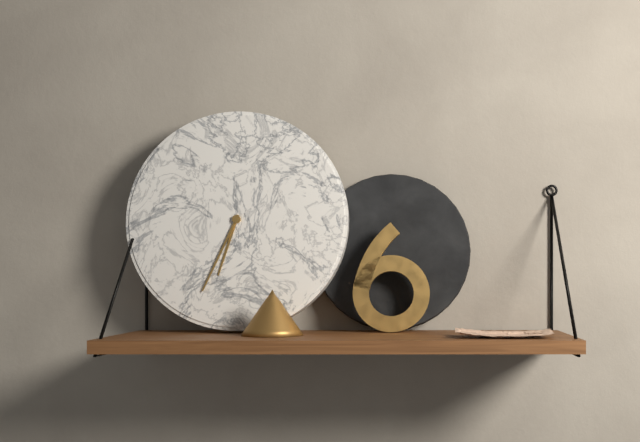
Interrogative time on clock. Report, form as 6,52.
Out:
6,34
